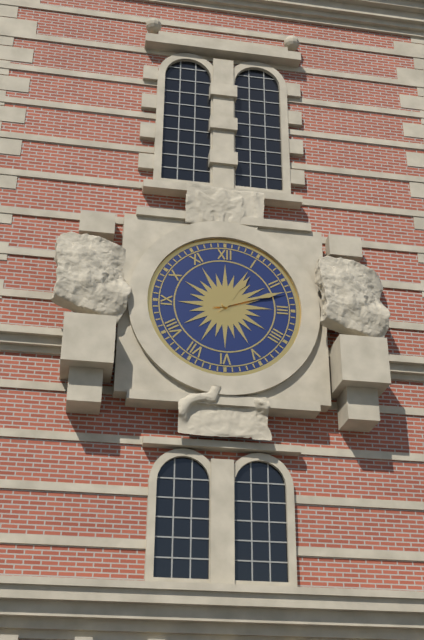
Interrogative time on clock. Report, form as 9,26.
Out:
1,12
